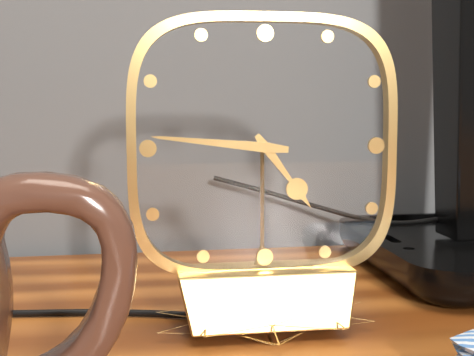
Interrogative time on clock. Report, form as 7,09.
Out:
4,46
